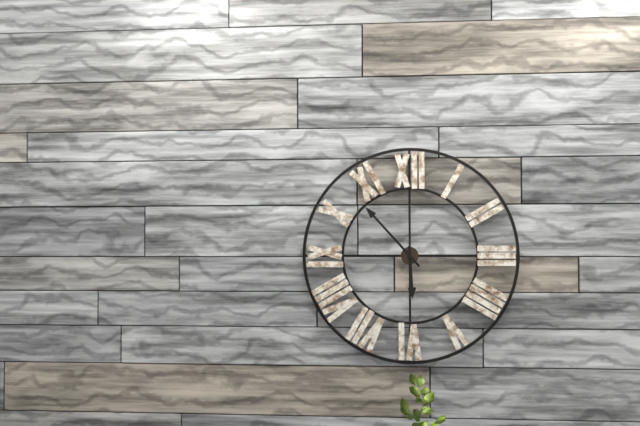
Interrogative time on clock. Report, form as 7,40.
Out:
5,53
